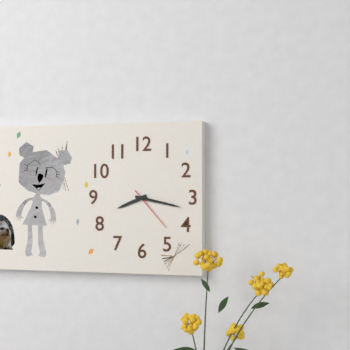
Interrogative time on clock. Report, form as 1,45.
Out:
8,17
